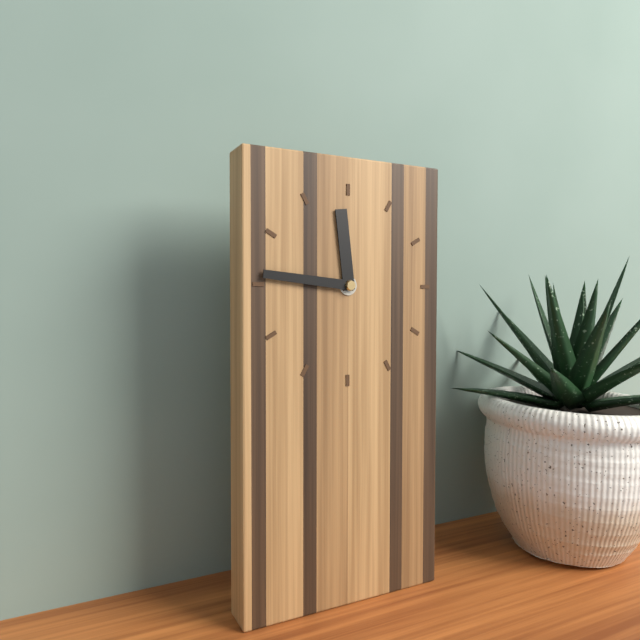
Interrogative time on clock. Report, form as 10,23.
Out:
11,46
